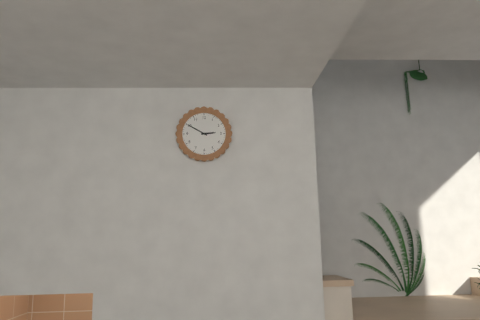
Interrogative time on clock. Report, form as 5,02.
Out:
2,50
